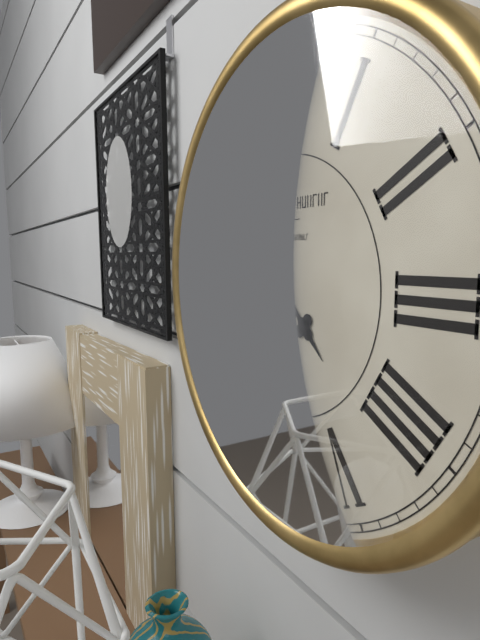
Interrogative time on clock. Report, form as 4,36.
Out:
4,31
